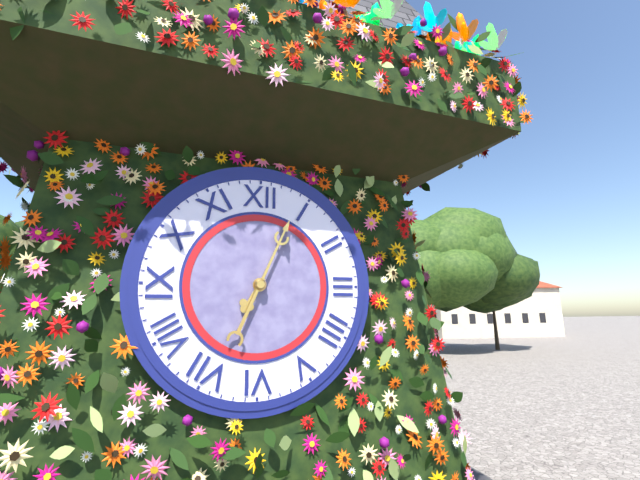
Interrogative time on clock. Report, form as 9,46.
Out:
7,04
